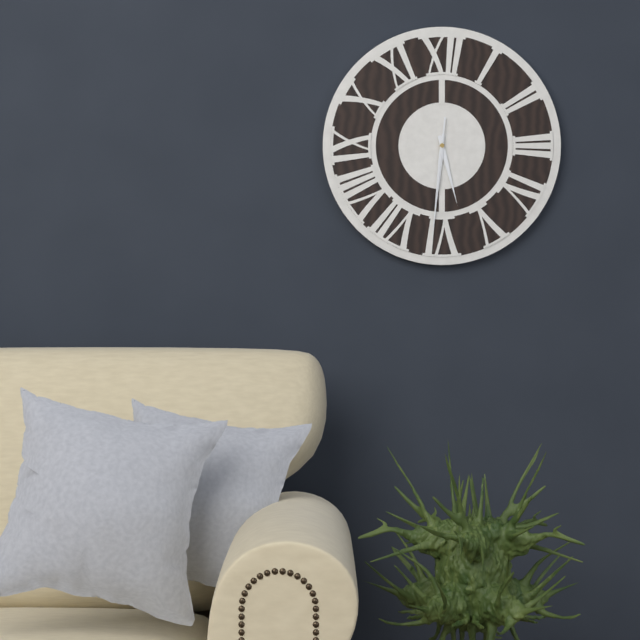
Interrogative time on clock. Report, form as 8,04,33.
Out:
5,31,31
